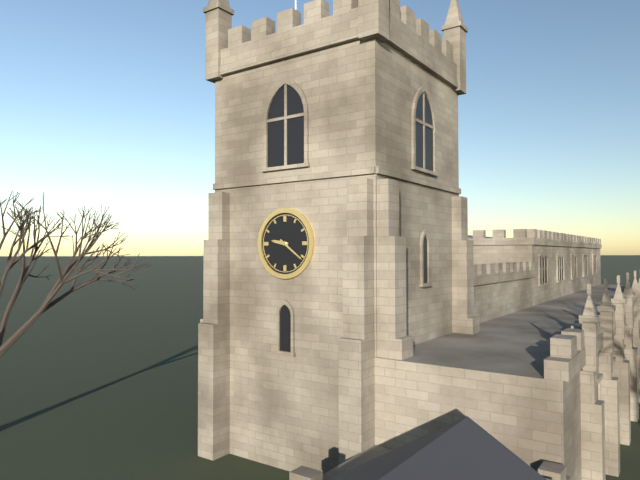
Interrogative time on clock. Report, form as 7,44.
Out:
9,21
